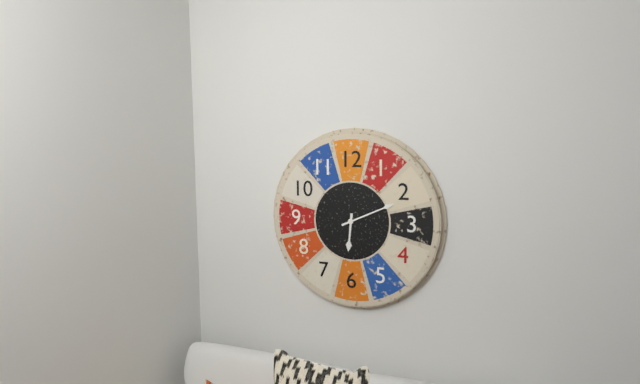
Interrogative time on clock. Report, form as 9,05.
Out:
6,11
